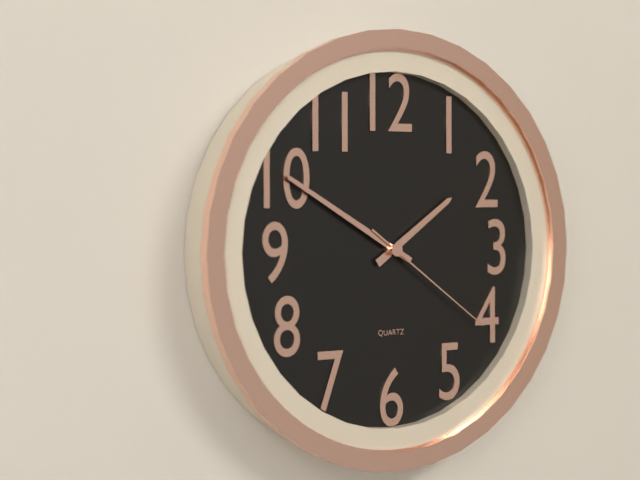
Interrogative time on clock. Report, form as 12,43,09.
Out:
1,50,21
